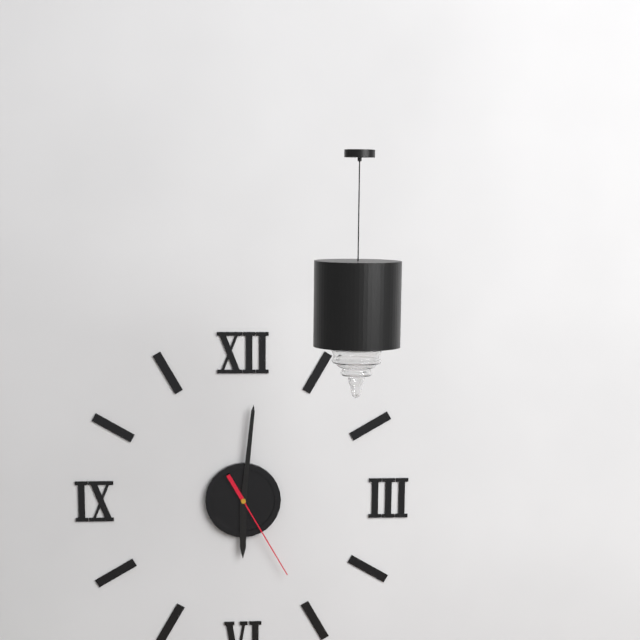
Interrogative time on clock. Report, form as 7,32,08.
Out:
6,01,25
